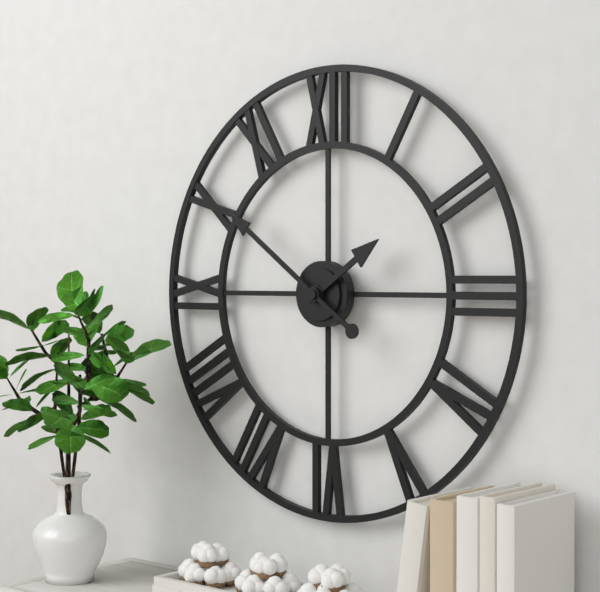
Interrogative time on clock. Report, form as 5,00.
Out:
1,51
